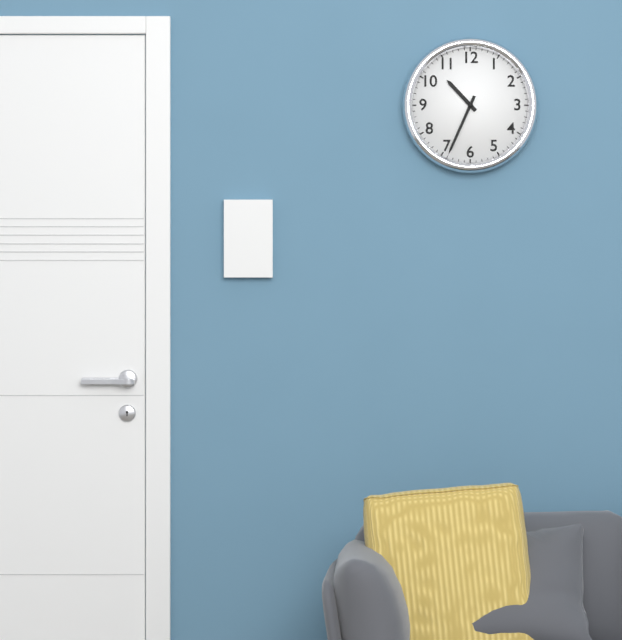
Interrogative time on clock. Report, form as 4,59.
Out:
10,34
